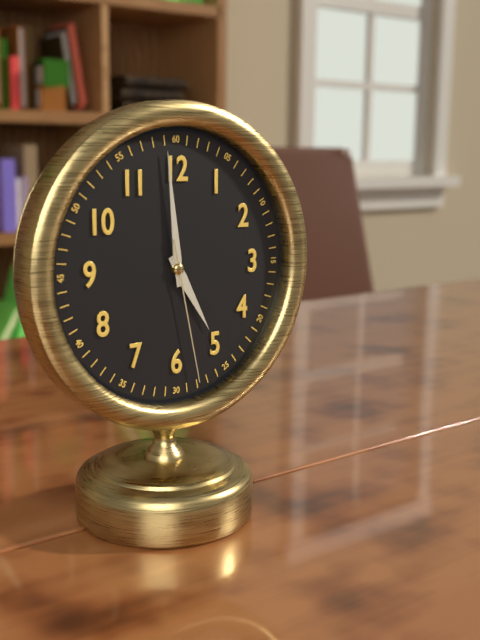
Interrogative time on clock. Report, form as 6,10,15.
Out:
4,59,28
